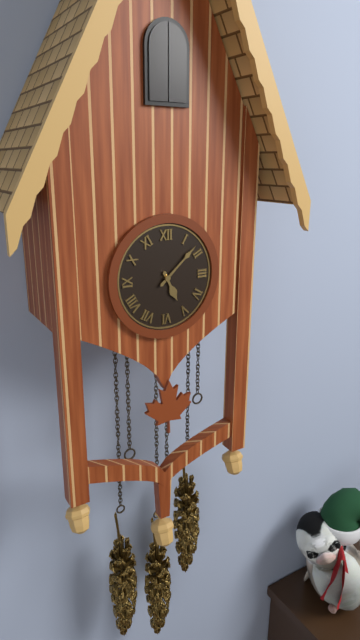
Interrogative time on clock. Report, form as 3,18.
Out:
5,08
